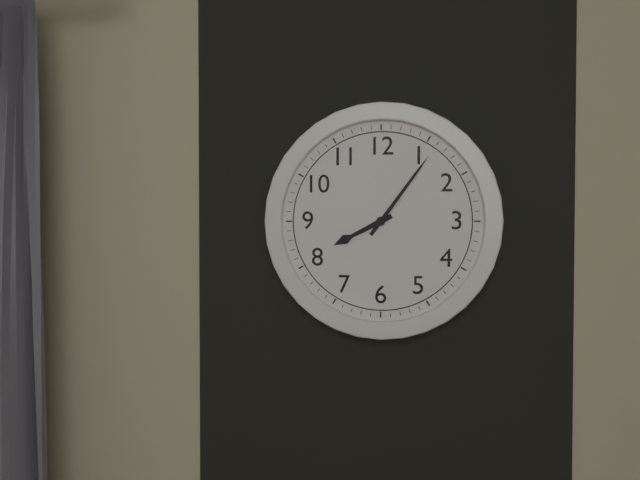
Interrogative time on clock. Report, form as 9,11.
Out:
8,06
